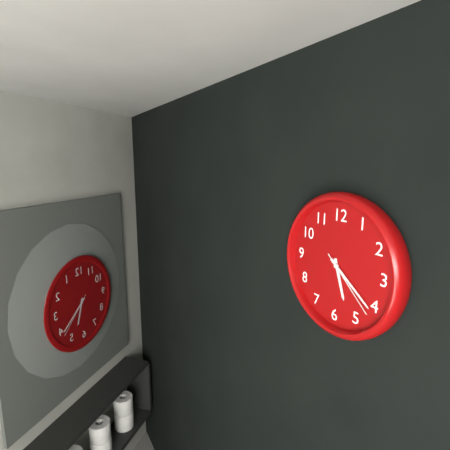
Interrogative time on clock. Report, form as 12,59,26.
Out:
5,21,22
